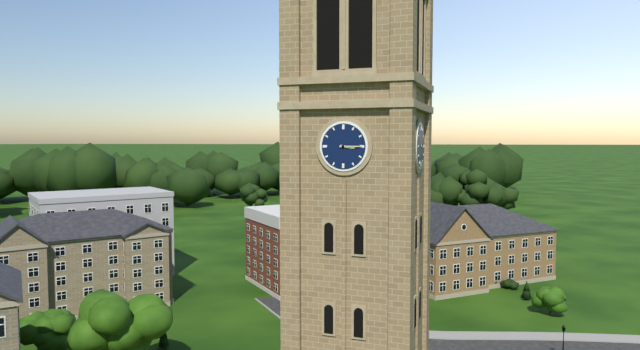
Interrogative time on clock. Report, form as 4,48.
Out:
3,15
